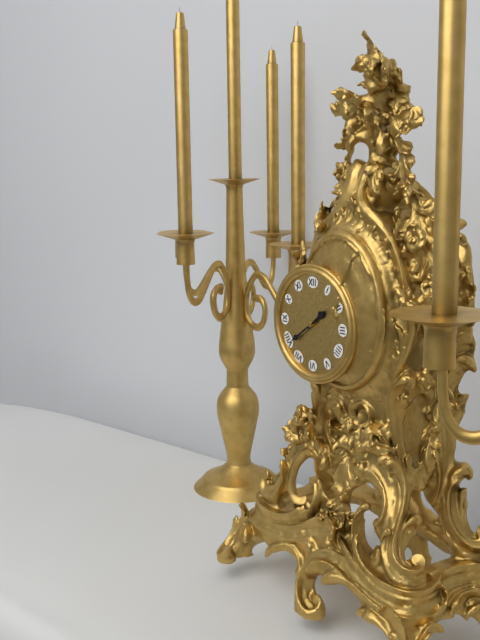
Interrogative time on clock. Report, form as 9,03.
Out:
1,39
